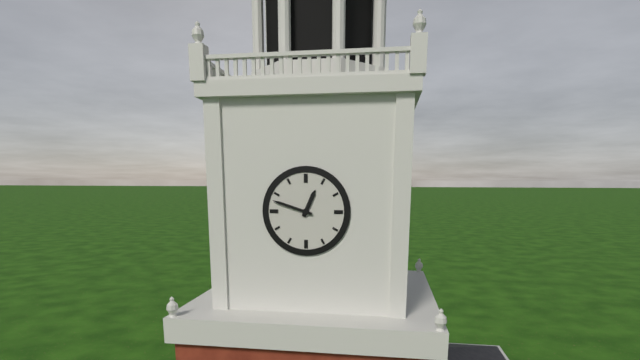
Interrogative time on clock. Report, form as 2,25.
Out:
12,48
